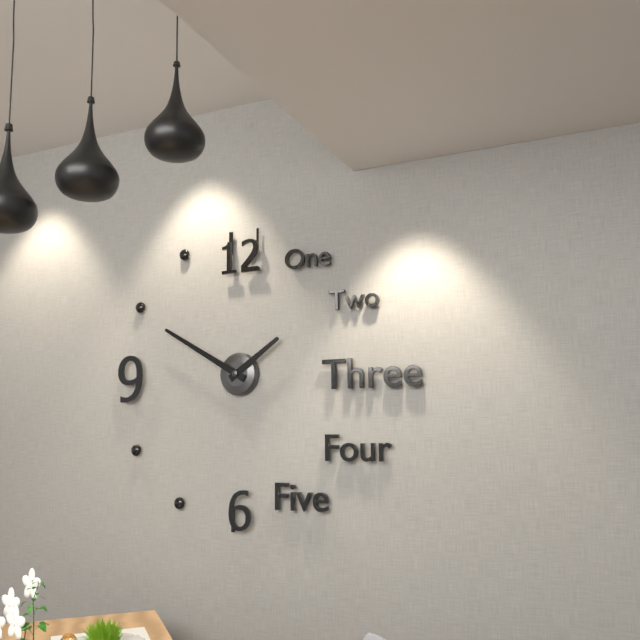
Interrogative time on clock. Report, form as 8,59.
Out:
1,50
